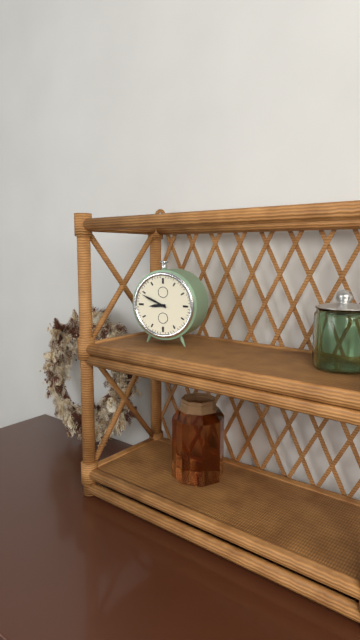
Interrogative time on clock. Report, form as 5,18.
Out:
8,49
